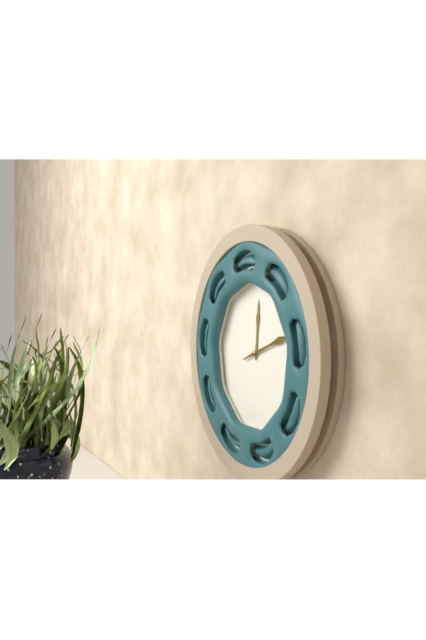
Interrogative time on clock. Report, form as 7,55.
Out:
12,12
